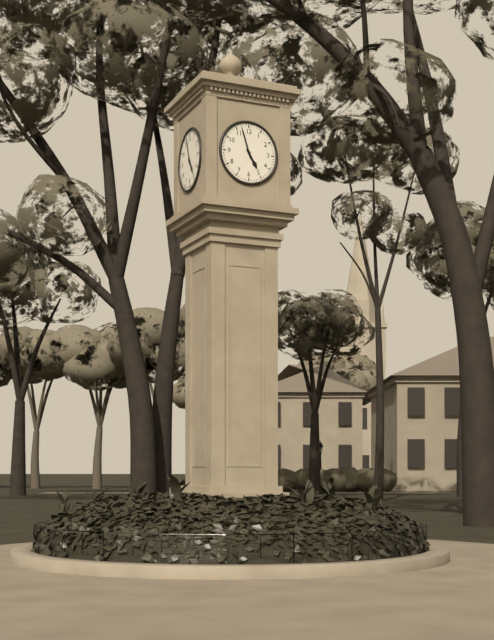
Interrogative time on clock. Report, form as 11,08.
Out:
4,57
